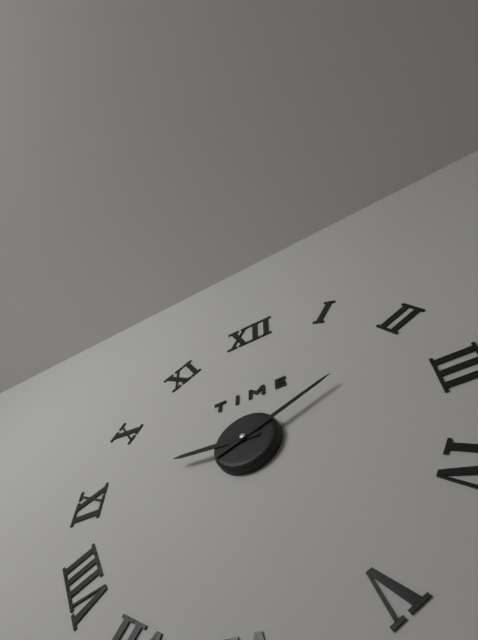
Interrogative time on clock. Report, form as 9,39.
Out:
9,11
